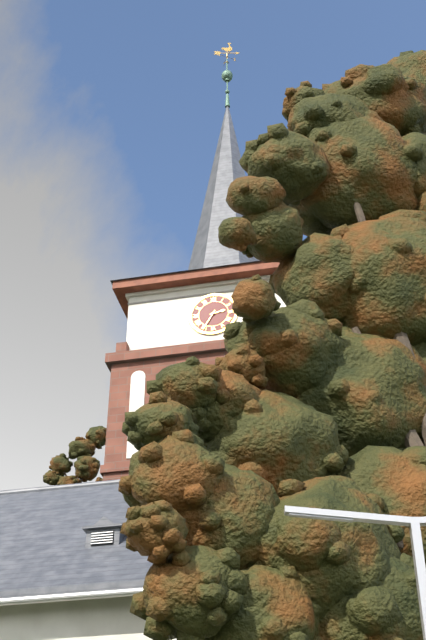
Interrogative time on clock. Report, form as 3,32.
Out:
2,35
